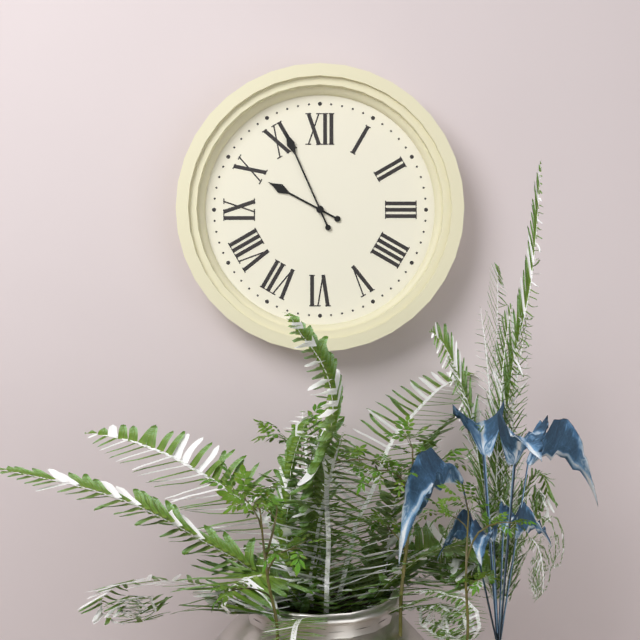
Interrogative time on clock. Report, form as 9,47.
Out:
9,56
